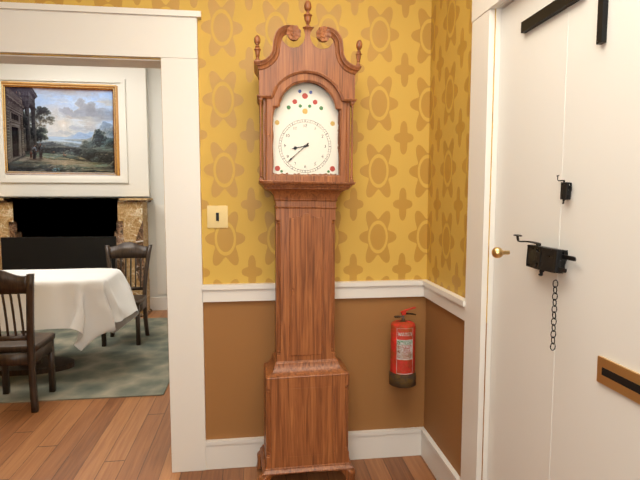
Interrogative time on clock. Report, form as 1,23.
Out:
8,38
